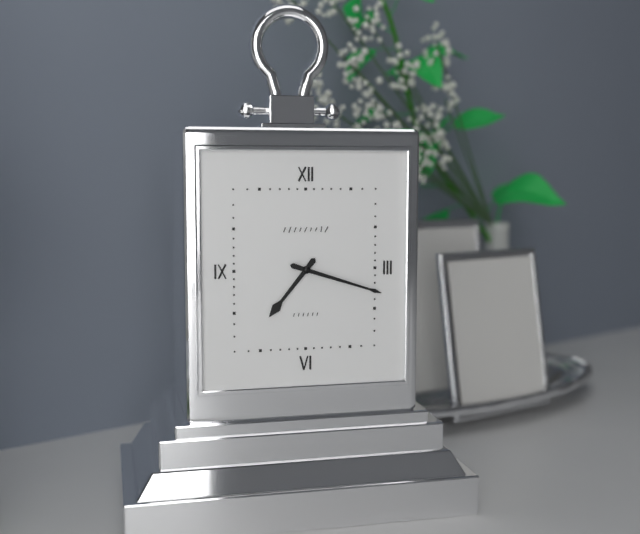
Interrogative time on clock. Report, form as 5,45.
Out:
7,18
